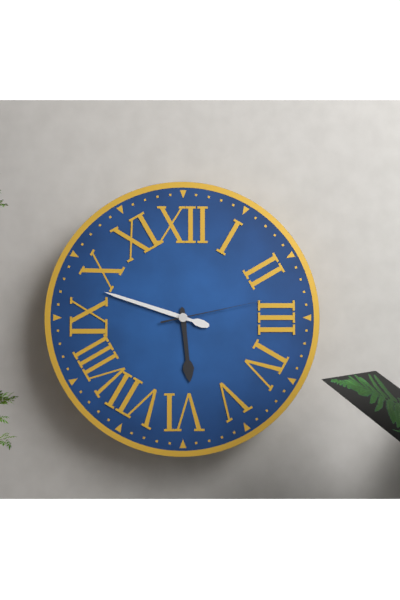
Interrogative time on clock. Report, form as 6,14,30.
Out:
5,48,13
